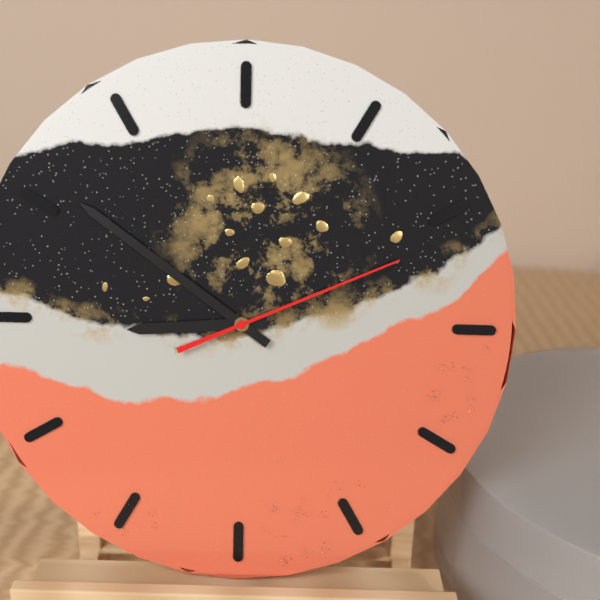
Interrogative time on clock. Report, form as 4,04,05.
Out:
8,51,11
